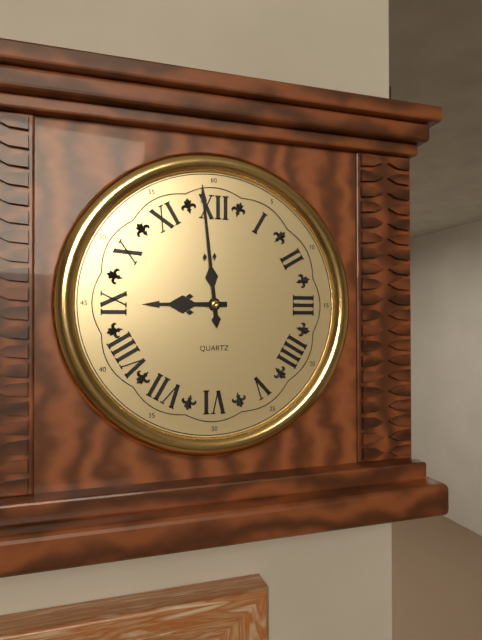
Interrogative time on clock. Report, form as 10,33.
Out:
8,59
